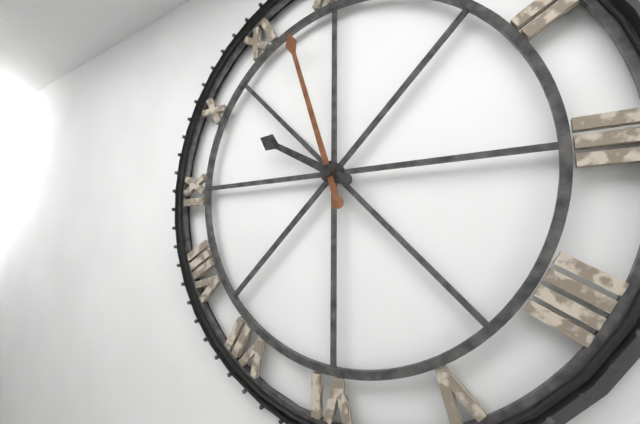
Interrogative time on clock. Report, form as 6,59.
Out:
9,57
